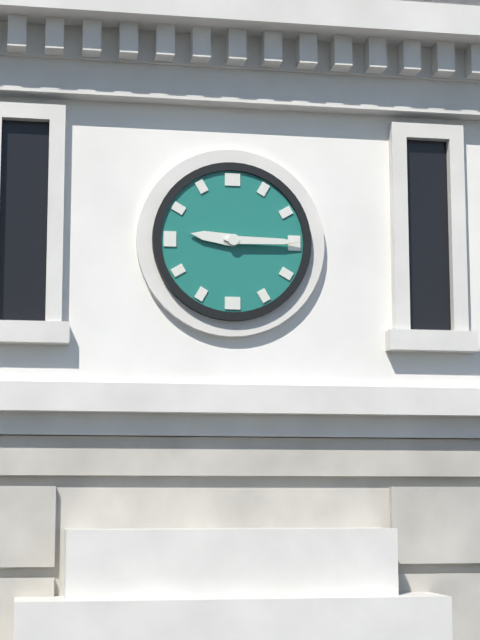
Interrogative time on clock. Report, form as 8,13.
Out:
9,15
